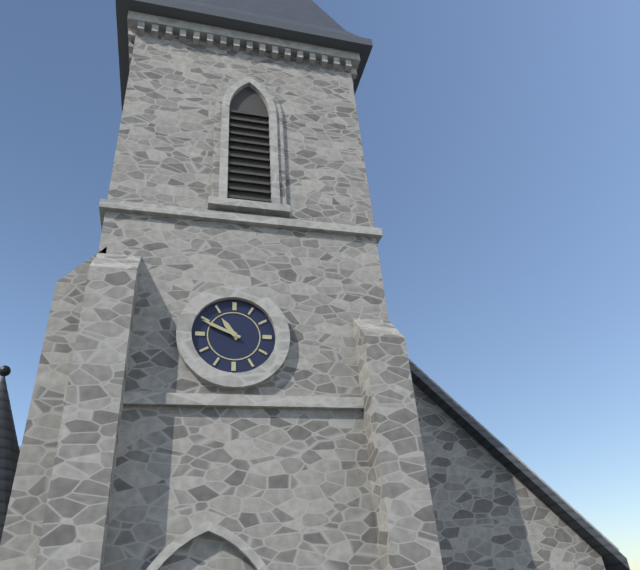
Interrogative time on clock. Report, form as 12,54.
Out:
10,49
